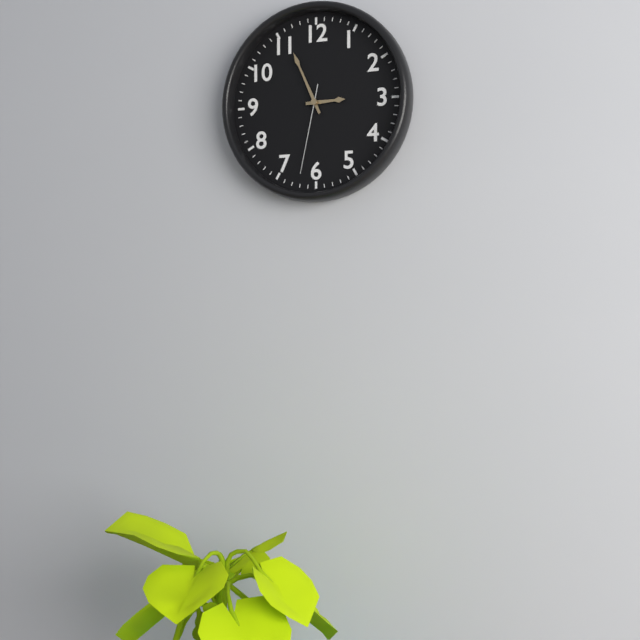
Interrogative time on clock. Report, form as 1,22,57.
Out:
2,56,32
